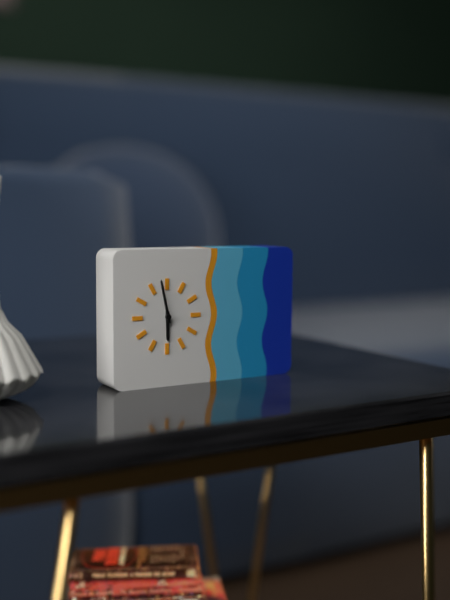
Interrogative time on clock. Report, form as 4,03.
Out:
5,58
